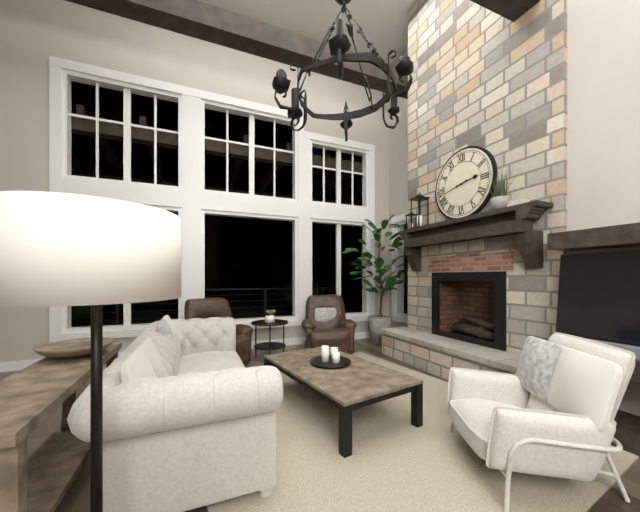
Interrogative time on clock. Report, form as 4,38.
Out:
2,43
